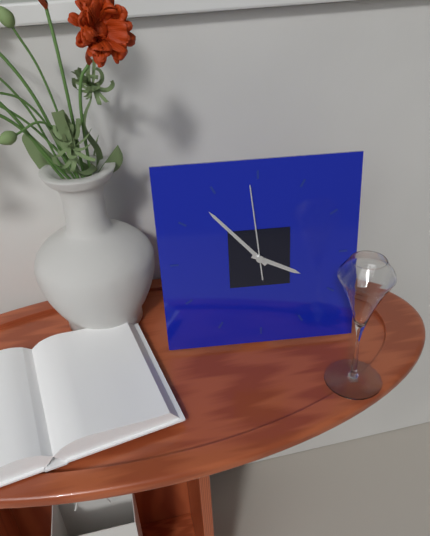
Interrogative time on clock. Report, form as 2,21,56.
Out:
3,53,59
